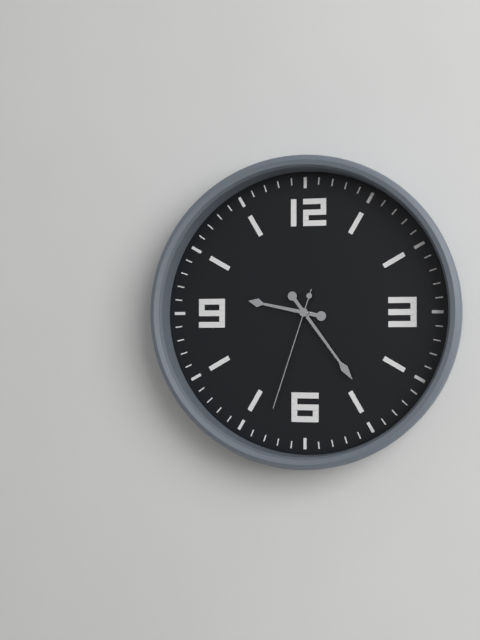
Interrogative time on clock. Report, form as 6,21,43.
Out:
9,24,33
